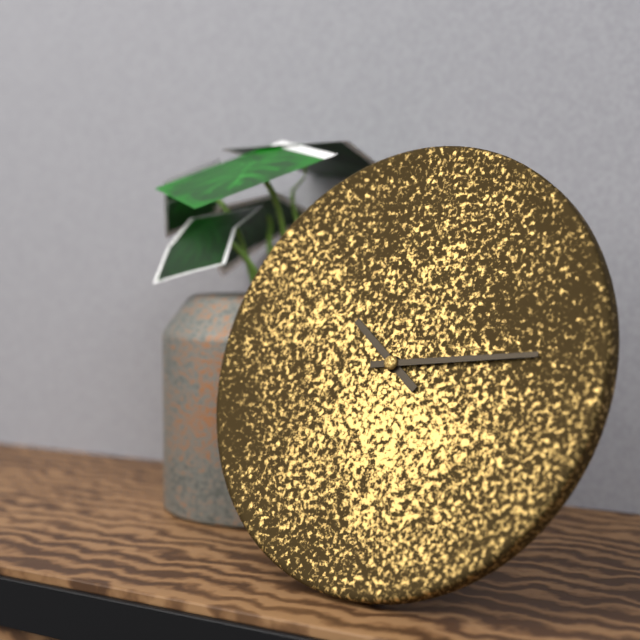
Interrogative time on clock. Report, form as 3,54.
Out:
10,14
